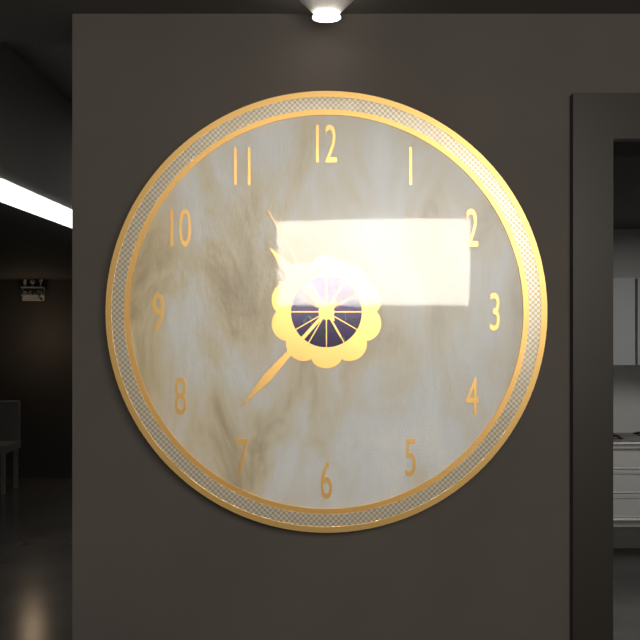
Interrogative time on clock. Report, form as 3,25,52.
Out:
10,37,55
